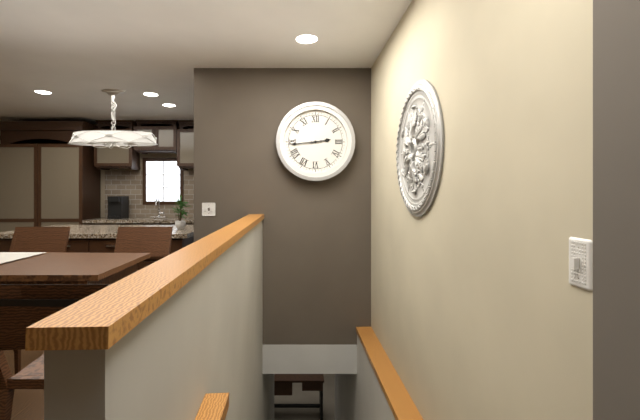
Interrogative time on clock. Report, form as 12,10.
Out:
2,44
